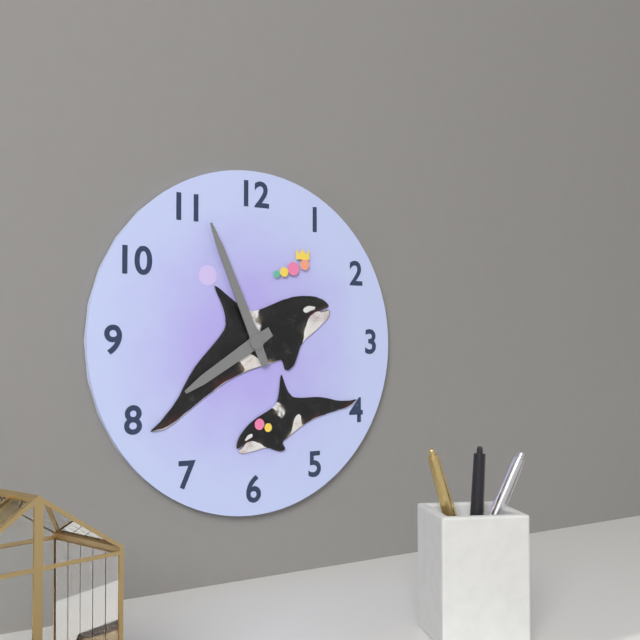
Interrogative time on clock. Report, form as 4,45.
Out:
7,56
